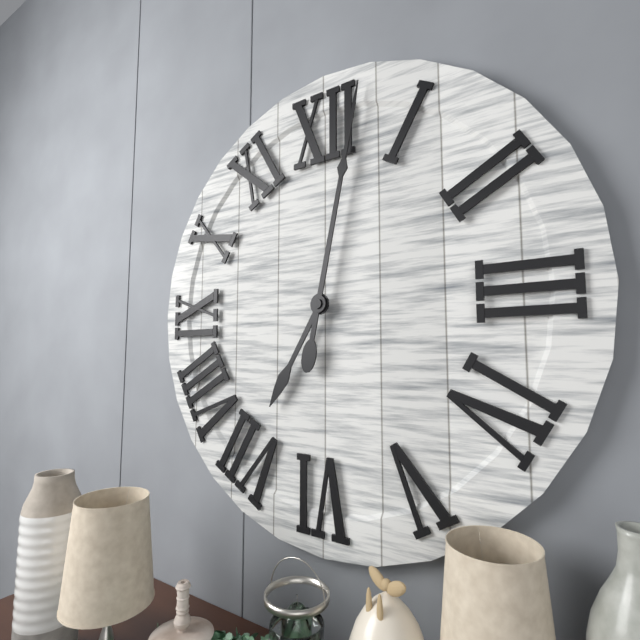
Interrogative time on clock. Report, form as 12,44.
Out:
7,02
